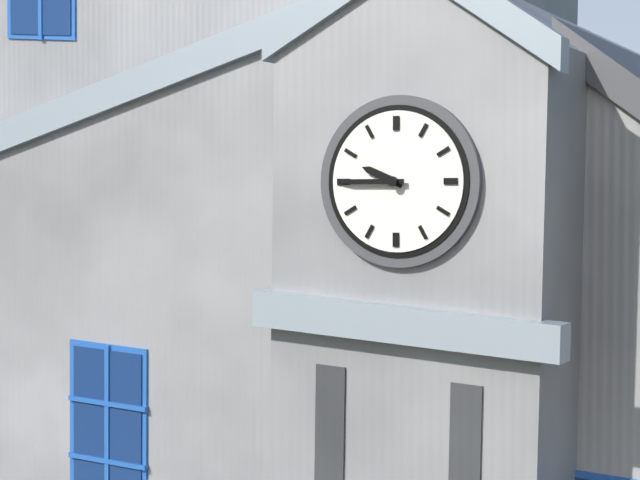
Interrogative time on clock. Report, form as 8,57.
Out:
9,45
